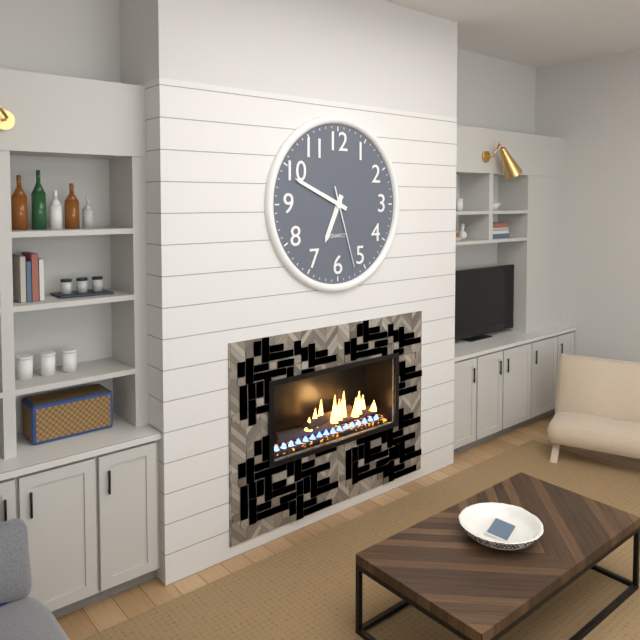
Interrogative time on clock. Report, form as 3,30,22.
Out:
6,49,27
